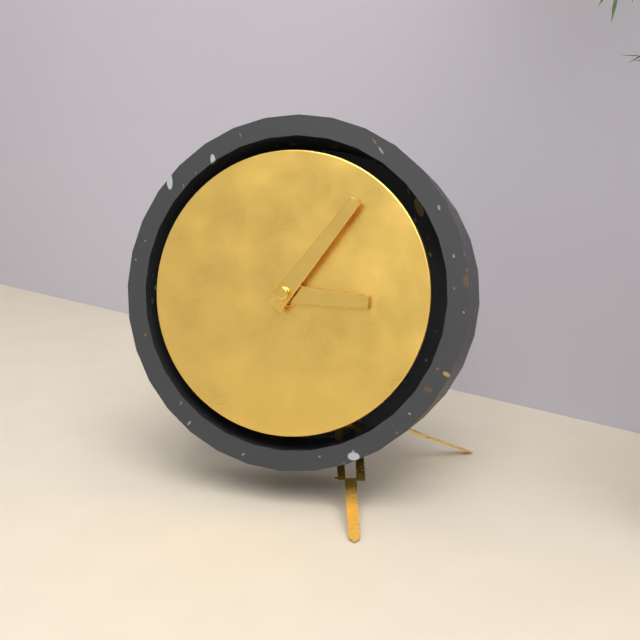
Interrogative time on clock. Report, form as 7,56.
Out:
3,06
